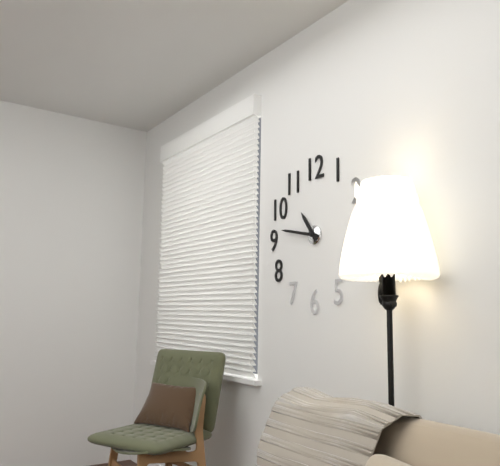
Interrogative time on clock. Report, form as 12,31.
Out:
10,47
